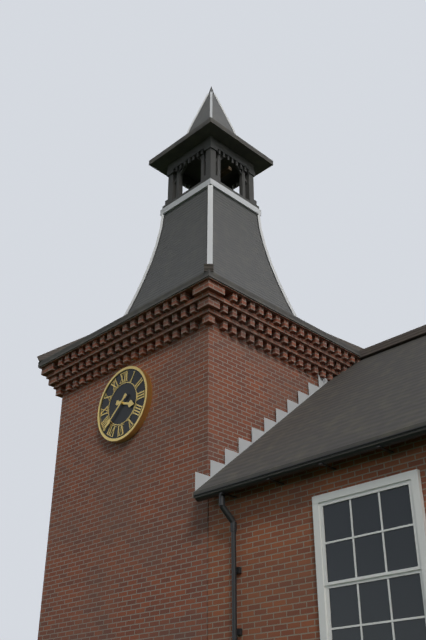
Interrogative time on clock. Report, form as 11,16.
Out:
3,38
